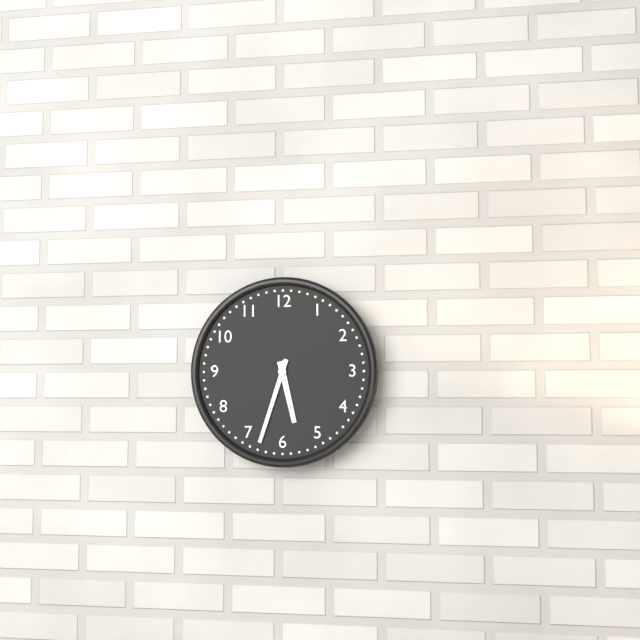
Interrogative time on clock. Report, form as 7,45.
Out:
5,33
